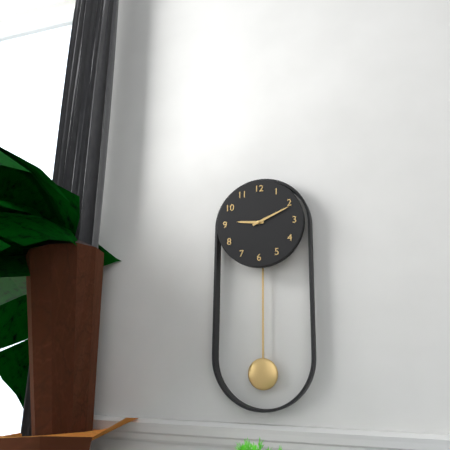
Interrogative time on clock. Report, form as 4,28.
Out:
9,11
